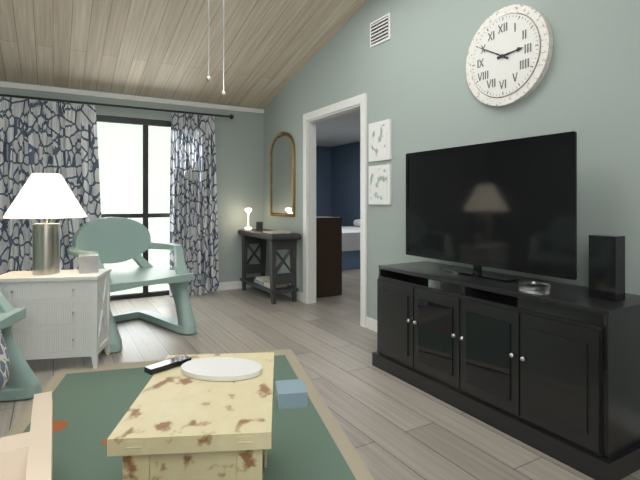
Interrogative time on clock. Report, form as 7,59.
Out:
2,50
